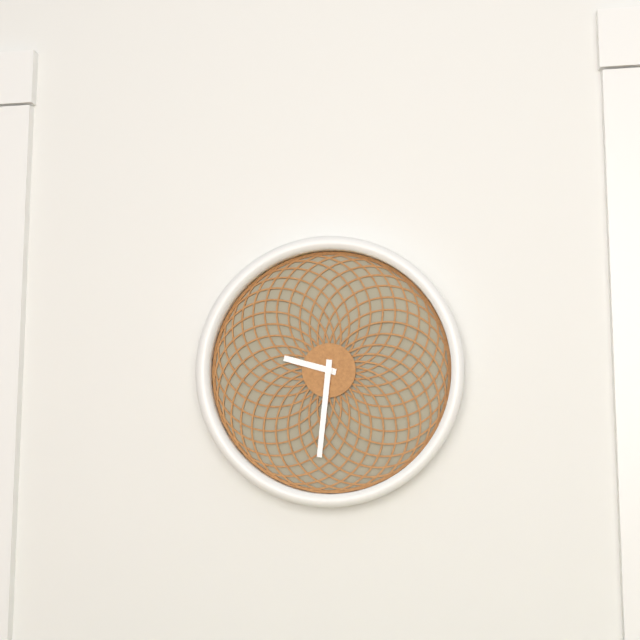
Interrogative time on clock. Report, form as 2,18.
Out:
9,31
